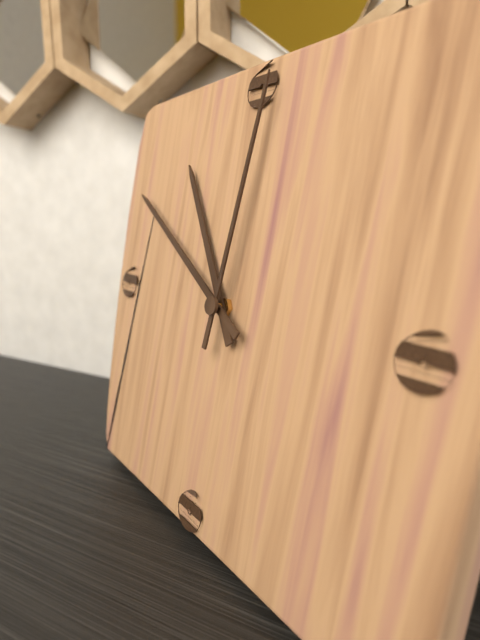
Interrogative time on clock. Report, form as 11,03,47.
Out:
10,50,01
